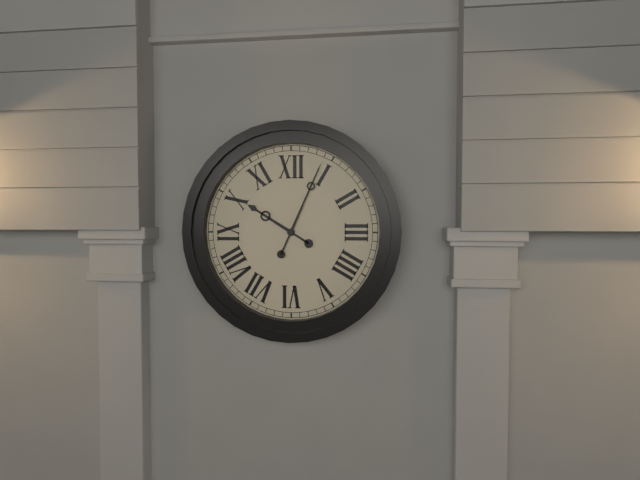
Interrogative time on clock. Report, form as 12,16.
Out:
10,04
